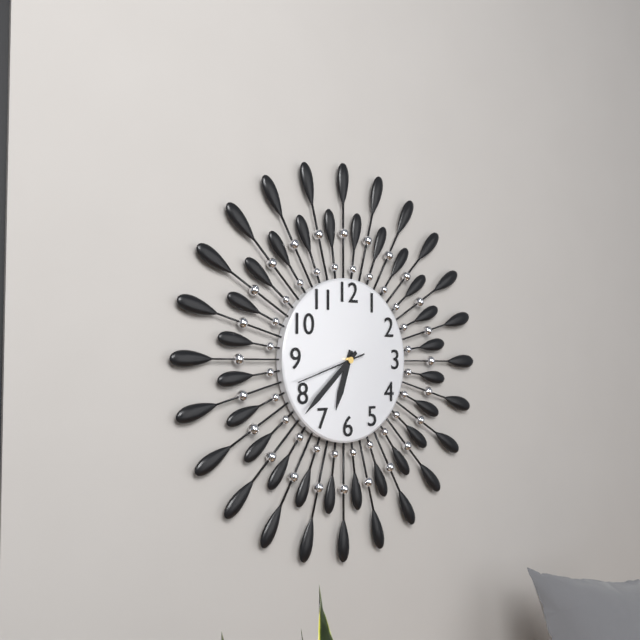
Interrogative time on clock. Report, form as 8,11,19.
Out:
6,38,42
